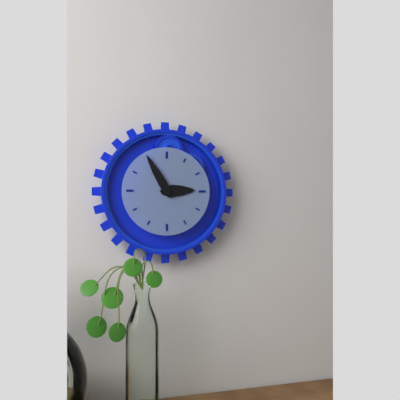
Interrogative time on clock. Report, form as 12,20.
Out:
2,55
